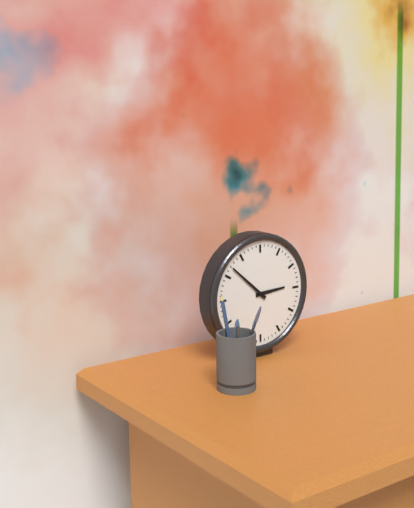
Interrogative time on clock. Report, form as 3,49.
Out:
2,52
